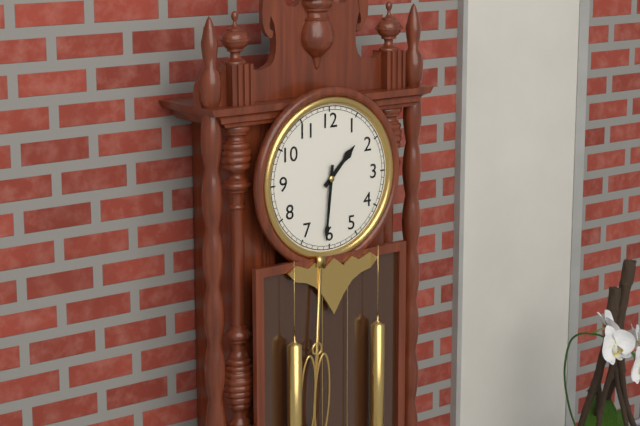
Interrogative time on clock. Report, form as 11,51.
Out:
1,31
